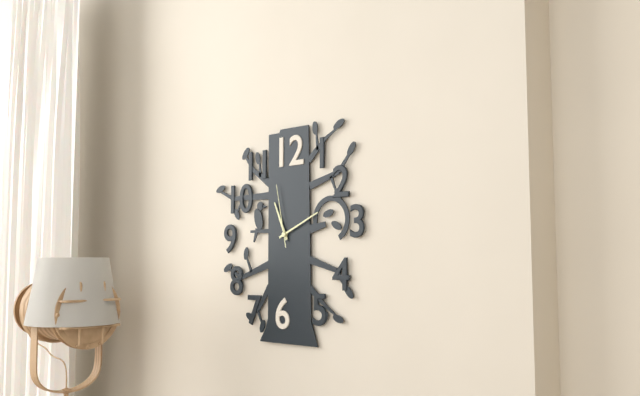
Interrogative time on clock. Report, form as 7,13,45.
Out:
11,11,58
